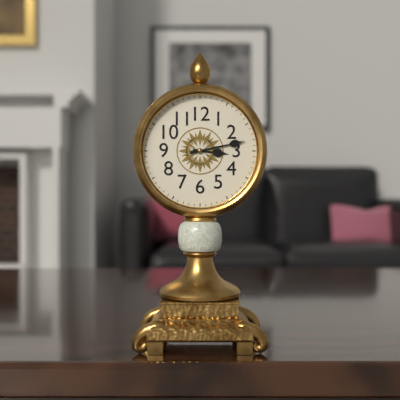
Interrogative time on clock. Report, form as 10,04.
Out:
3,13
